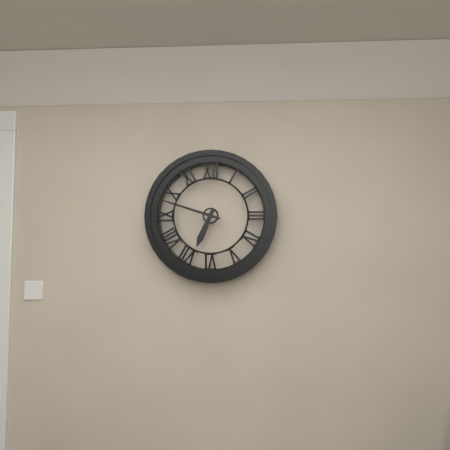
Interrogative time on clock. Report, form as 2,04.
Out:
6,48
